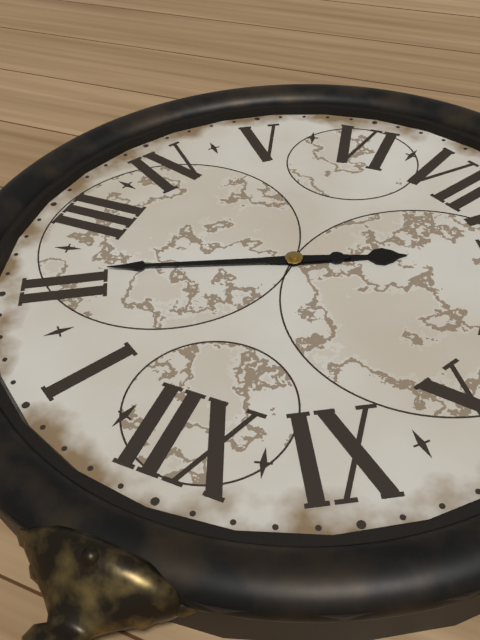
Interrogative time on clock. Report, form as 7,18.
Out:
8,11
